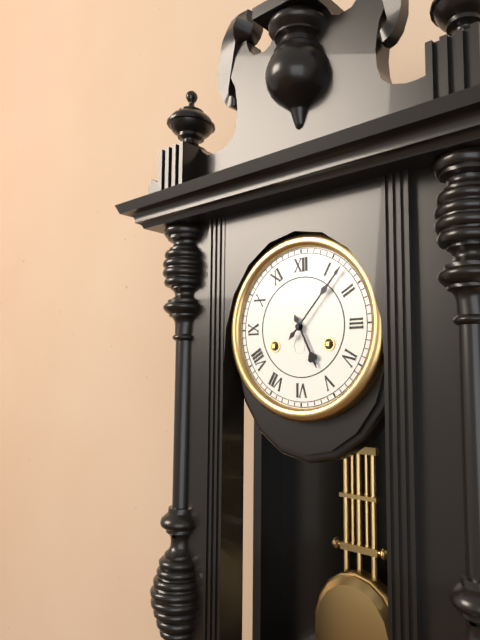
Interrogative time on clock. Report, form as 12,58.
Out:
5,07
